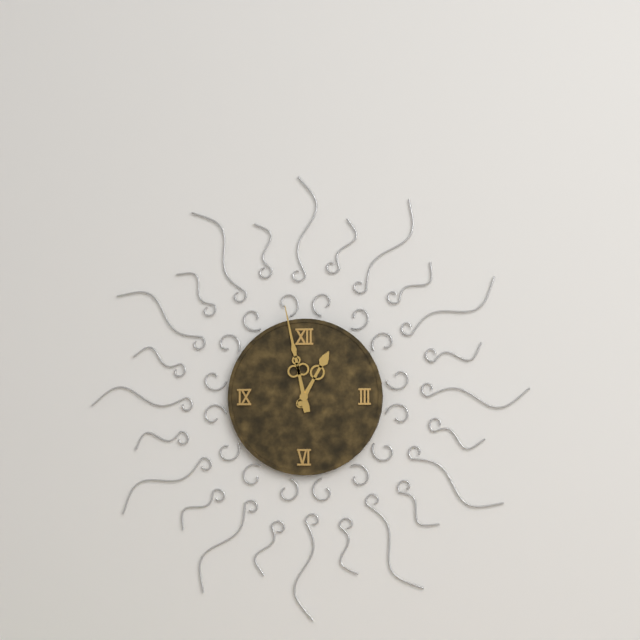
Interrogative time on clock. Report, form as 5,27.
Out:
12,58
